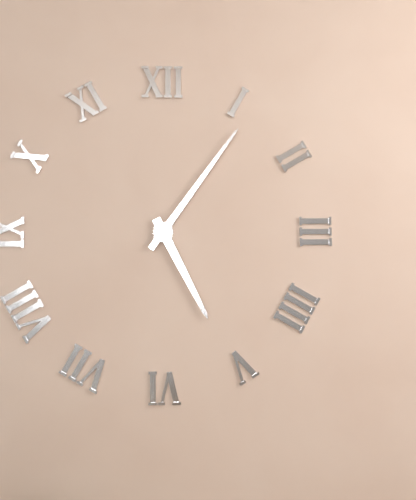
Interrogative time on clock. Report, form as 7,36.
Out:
5,06
